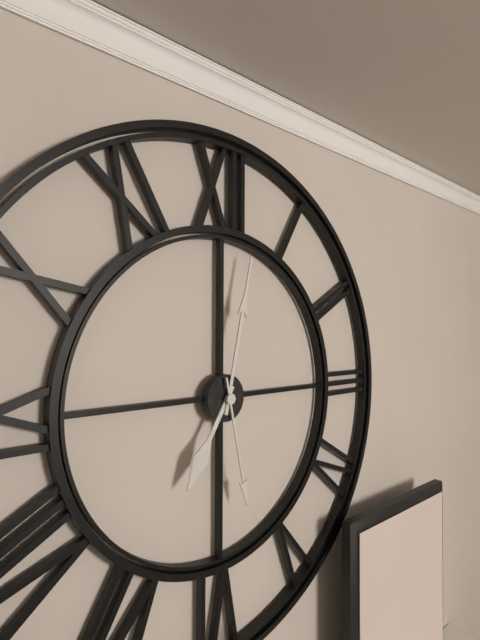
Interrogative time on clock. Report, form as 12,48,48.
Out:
7,02,28
